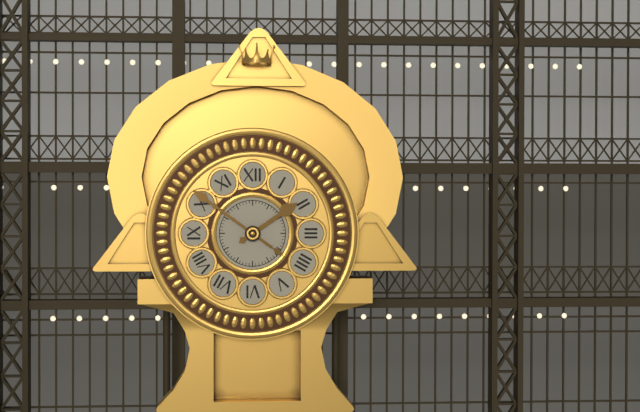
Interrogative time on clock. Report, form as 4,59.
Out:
1,51
